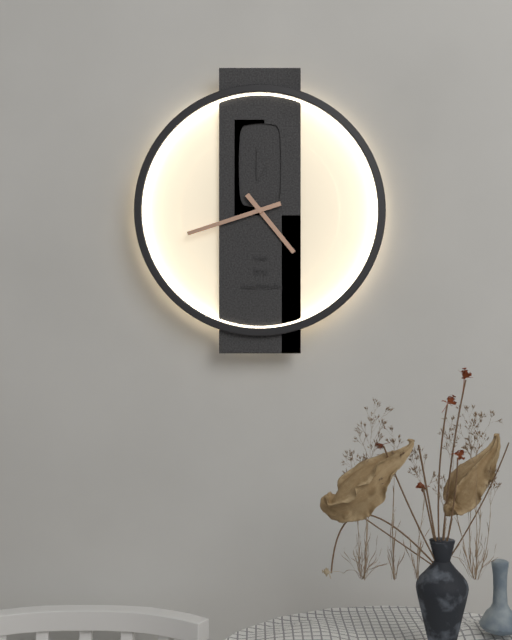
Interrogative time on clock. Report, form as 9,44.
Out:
4,42
